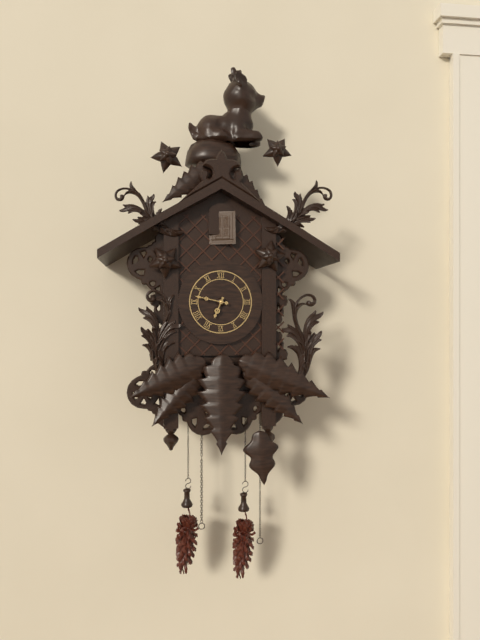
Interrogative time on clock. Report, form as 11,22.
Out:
6,47
